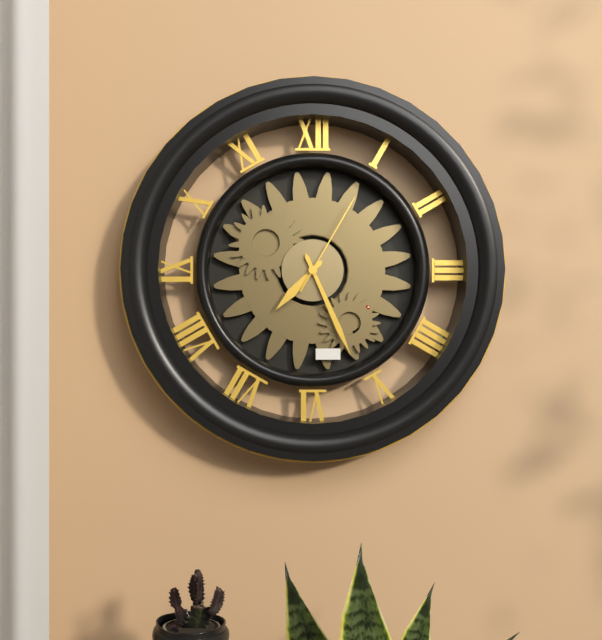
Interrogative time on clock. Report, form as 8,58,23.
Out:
7,26,05
